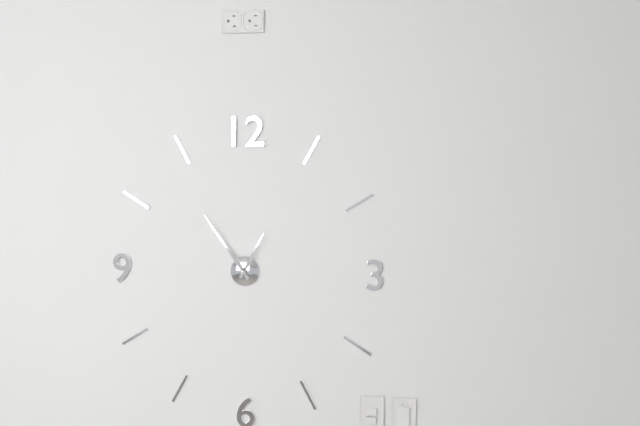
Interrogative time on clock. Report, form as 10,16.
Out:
12,54
